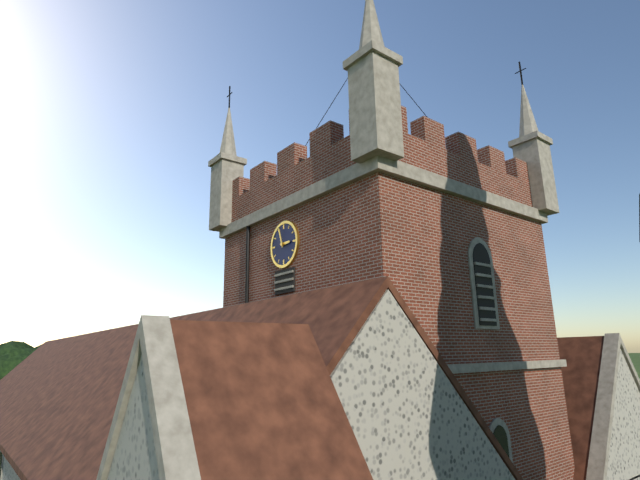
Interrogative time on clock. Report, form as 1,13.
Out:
2,57
